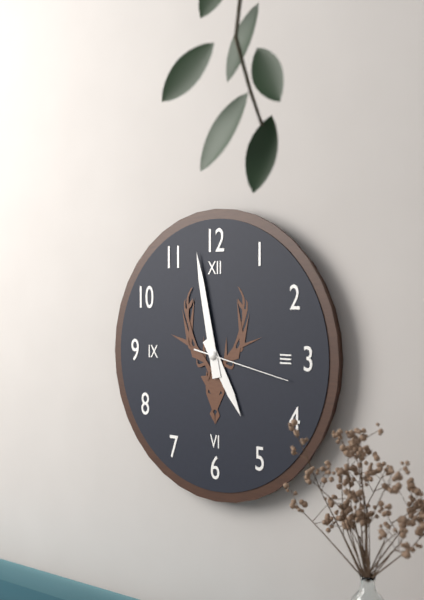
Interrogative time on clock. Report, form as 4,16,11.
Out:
4,58,17
